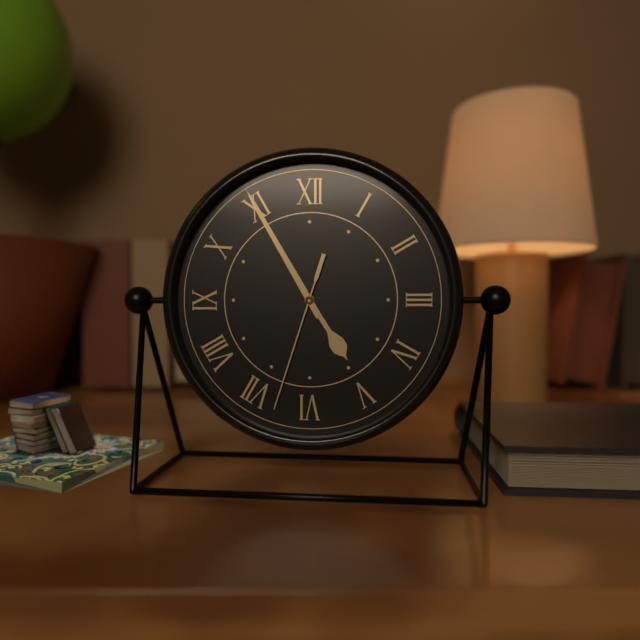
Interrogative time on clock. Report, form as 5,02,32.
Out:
4,55,33
